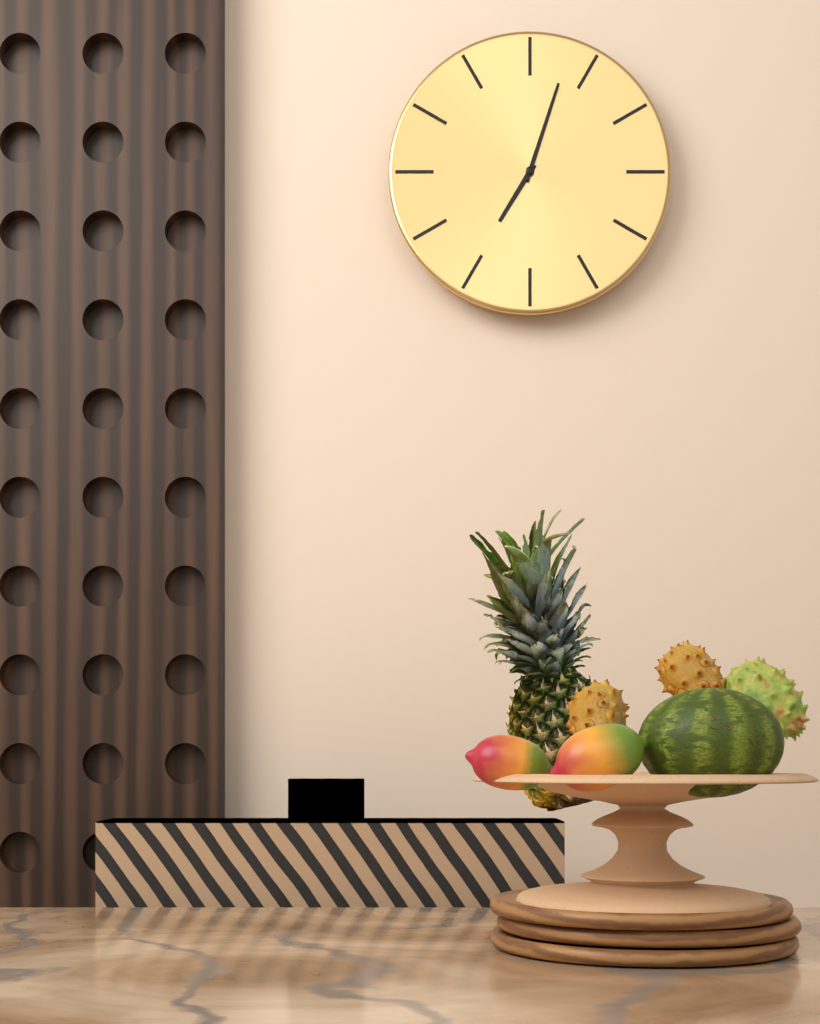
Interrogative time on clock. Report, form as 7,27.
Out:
7,03
